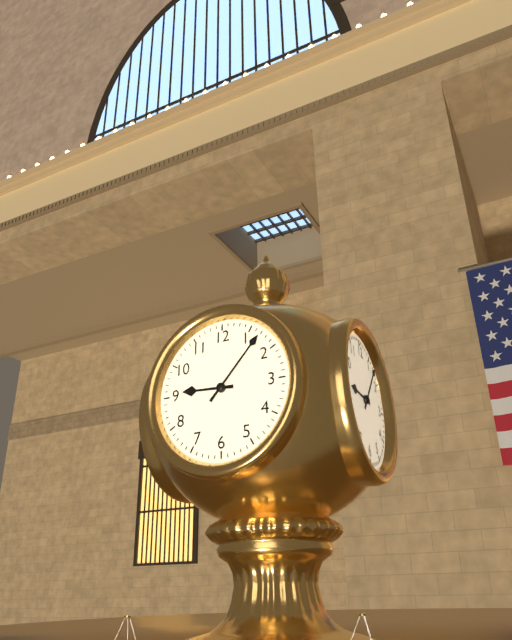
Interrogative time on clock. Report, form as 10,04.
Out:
9,07
